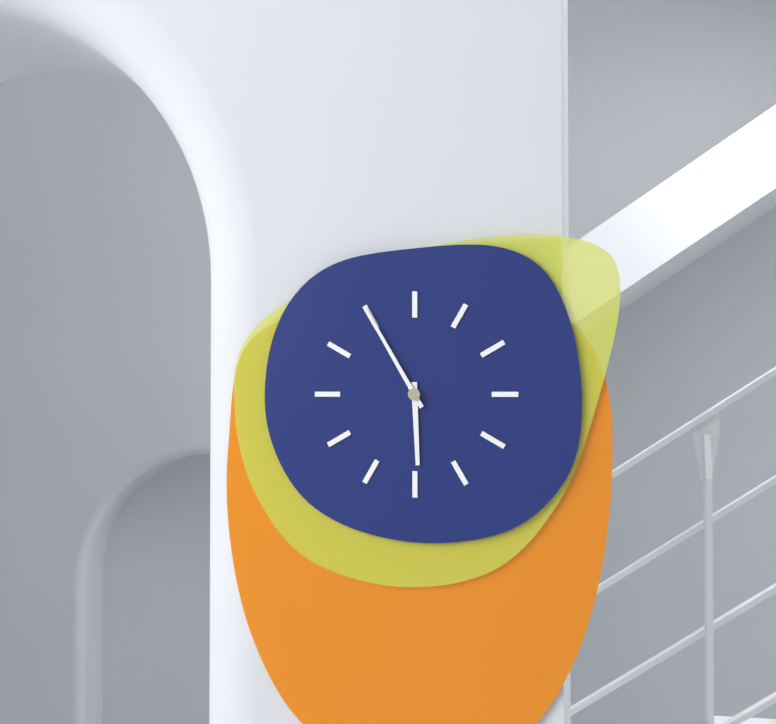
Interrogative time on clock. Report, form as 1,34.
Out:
5,55
